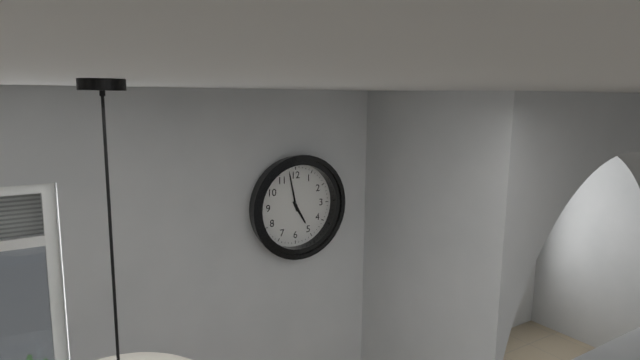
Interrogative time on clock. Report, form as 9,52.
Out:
4,58
